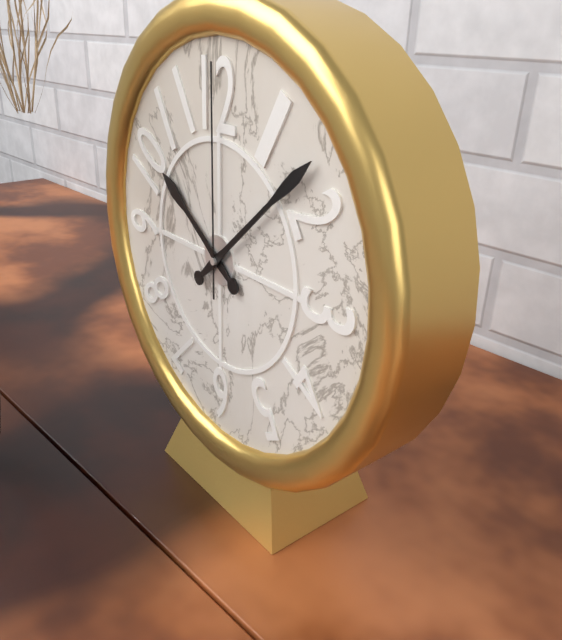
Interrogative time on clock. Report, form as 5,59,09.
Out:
10,08,00
